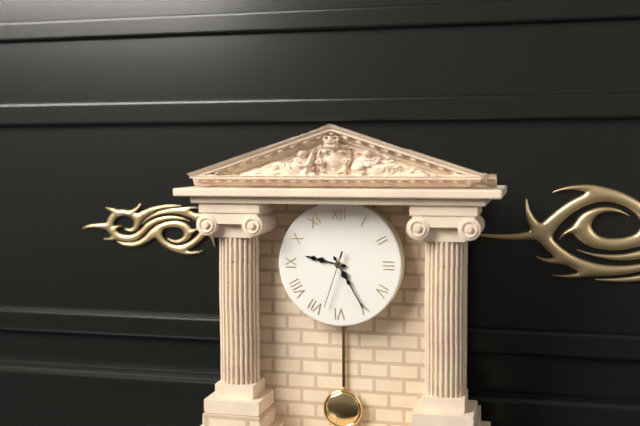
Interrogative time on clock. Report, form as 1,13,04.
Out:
9,25,33
